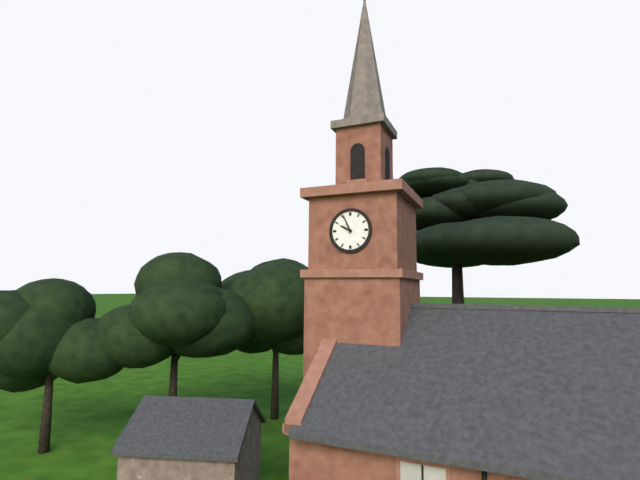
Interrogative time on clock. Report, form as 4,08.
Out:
9,56
